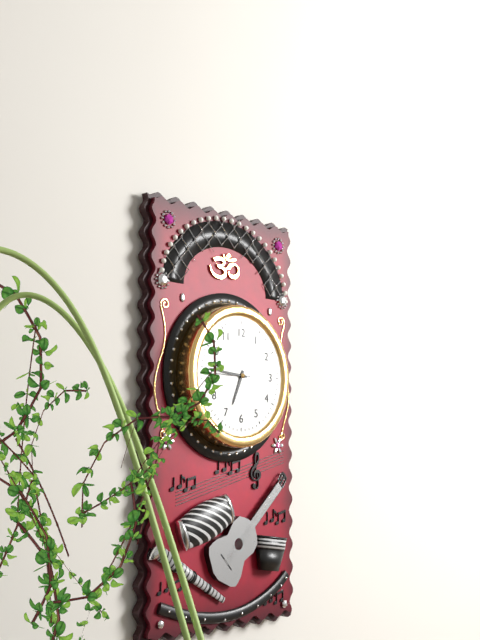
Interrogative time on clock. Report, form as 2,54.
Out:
6,46
